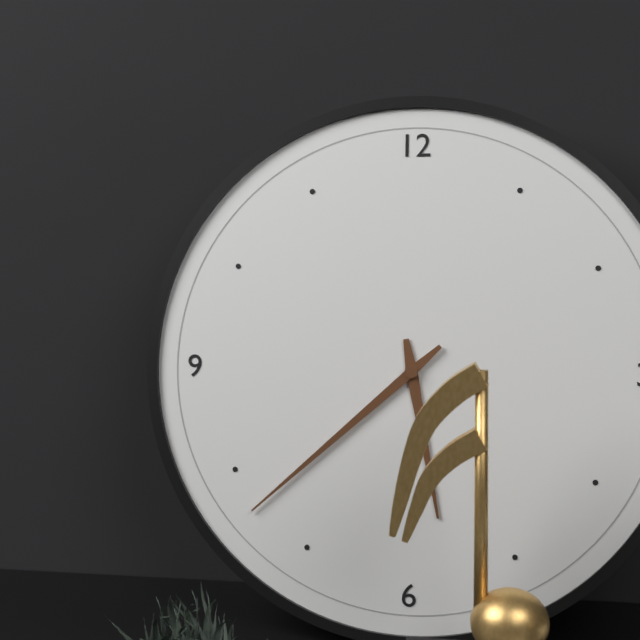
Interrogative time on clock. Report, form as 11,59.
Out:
5,38
